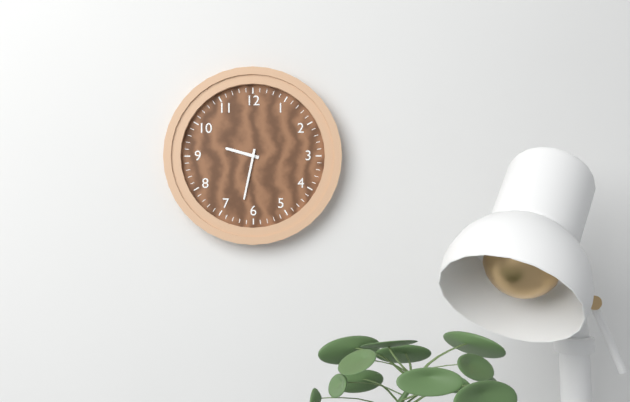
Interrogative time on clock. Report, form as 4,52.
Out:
9,32
